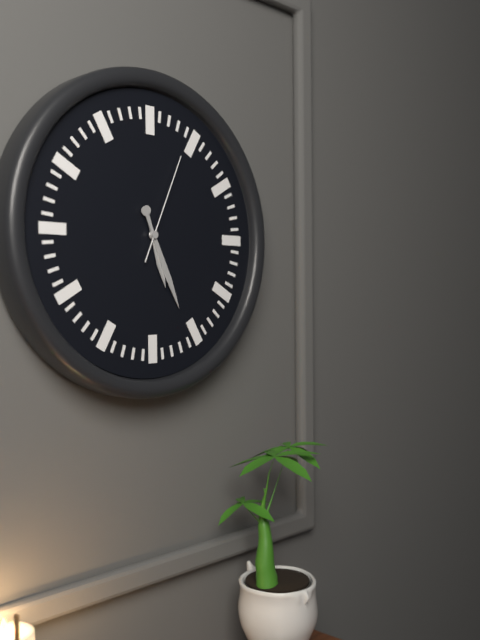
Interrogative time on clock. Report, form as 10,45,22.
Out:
5,26,04
